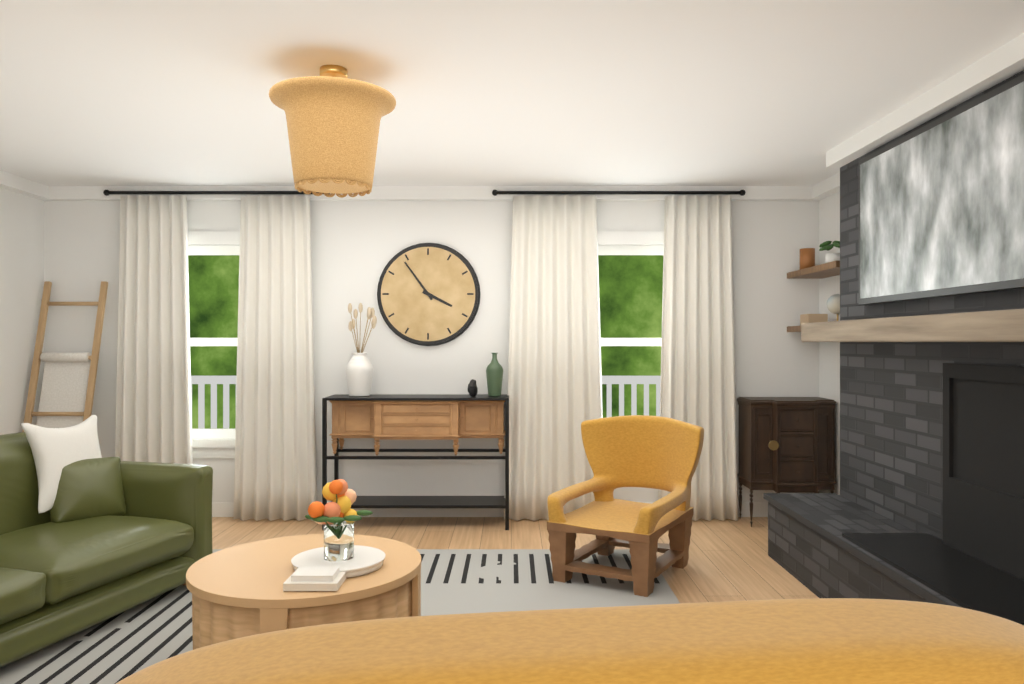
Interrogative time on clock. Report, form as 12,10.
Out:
3,54
